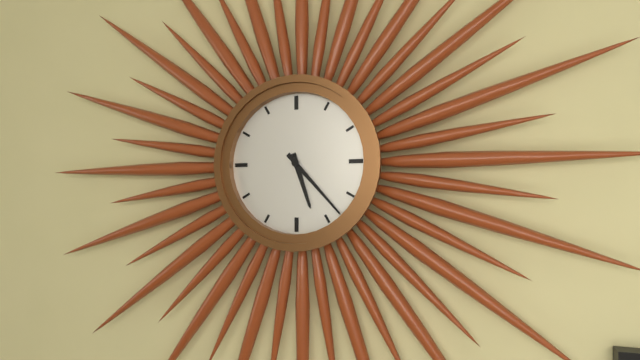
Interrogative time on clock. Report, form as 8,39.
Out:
5,23
